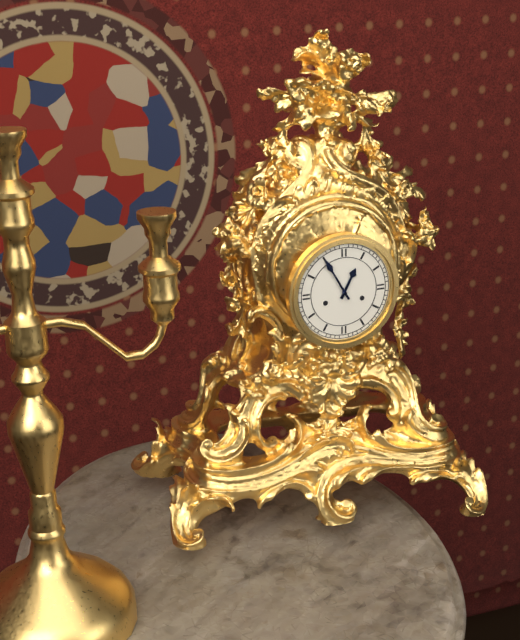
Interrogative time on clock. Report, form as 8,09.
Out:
12,55
